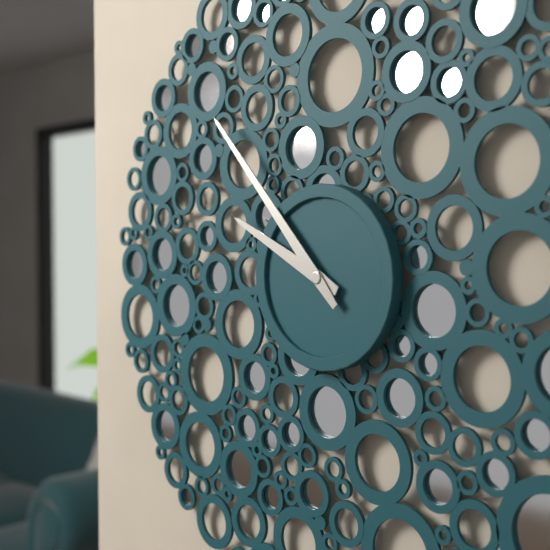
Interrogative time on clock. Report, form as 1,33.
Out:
9,53
